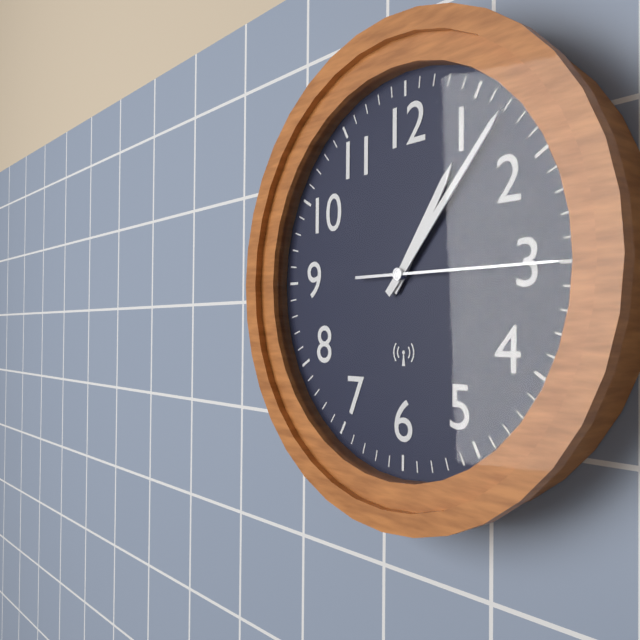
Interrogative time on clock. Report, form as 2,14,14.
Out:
1,07,15
